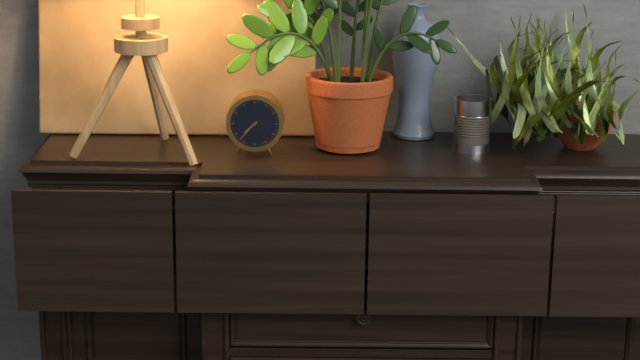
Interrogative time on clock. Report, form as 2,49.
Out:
7,37
